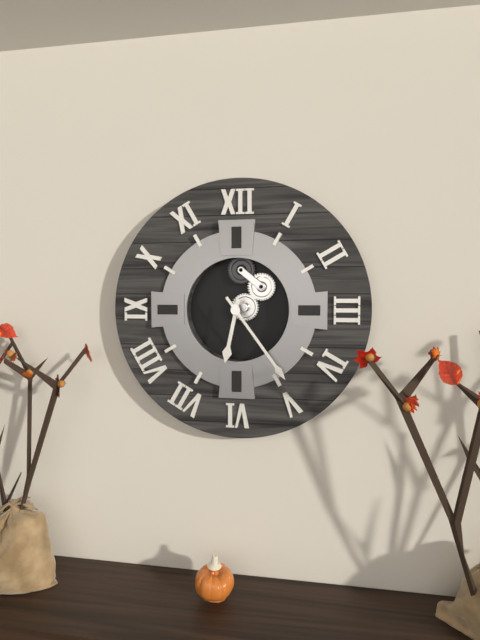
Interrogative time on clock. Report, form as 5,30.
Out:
6,24
